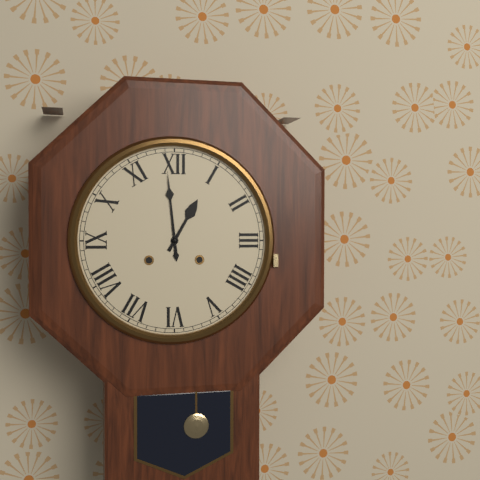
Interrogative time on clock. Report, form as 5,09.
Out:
12,59
